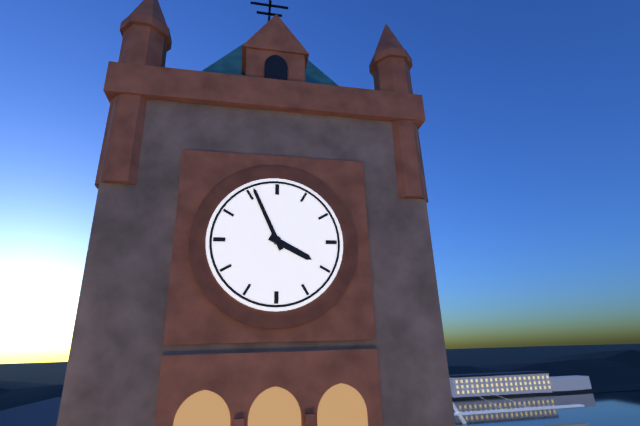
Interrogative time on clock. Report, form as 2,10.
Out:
3,56
